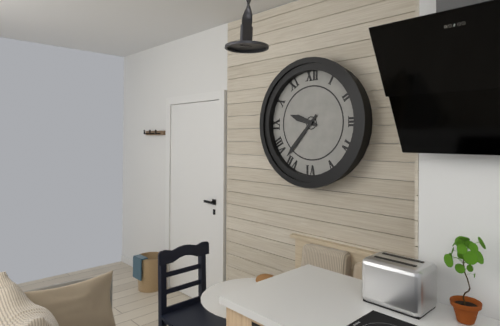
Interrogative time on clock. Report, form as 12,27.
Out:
9,37
